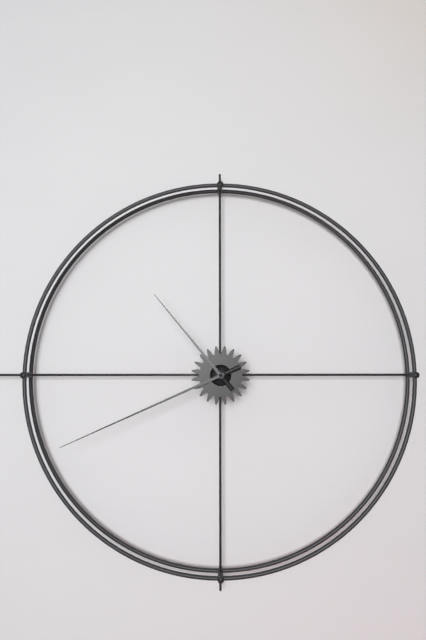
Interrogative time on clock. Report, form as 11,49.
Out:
10,41
